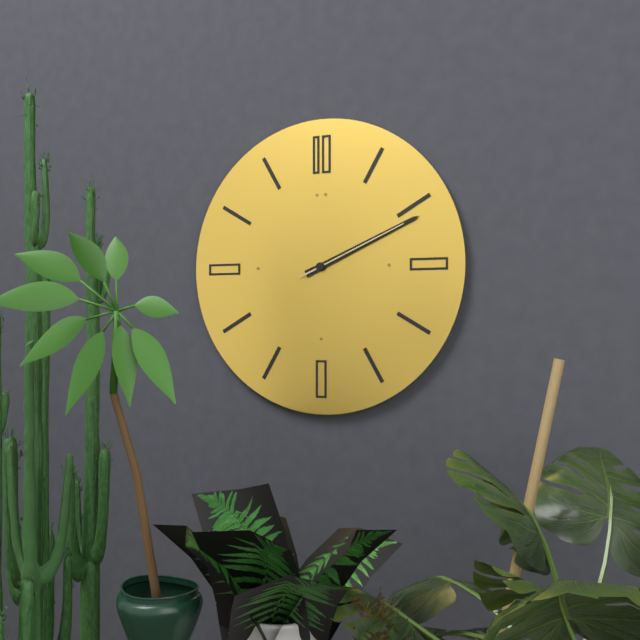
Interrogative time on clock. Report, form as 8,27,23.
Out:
2,11,11
